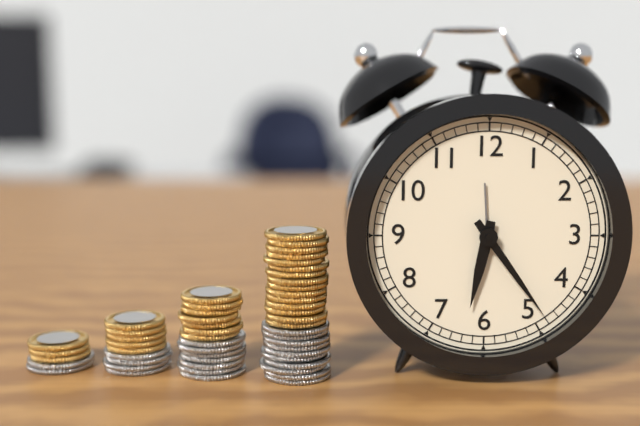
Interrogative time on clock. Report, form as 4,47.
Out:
6,24
